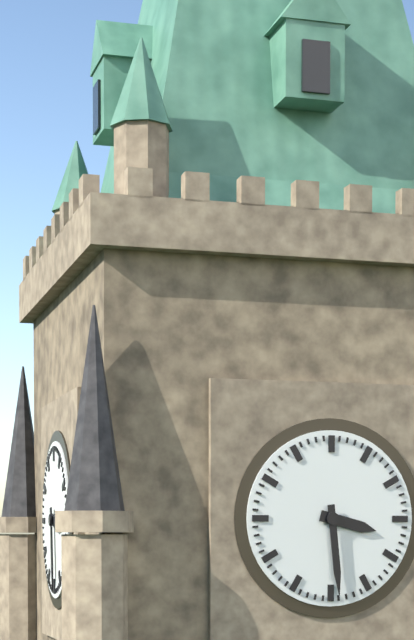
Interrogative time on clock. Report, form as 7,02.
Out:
3,29
